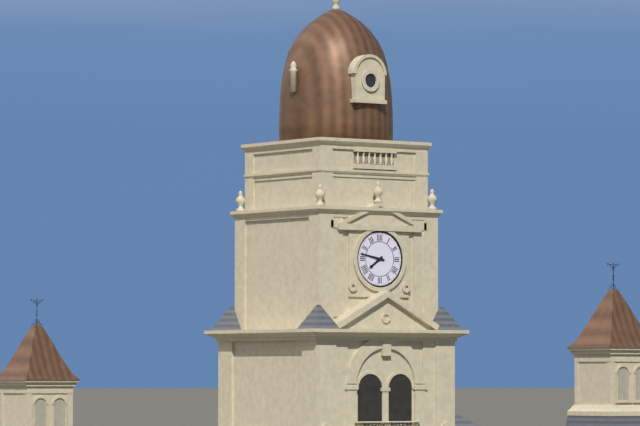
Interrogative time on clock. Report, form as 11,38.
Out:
7,47
